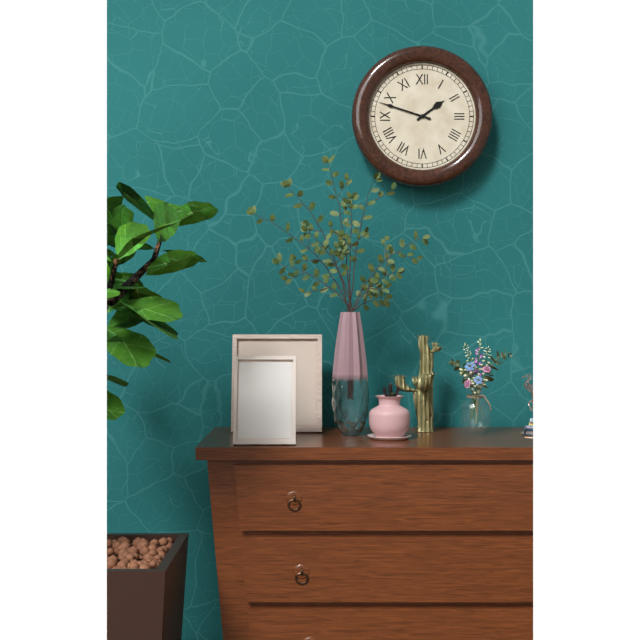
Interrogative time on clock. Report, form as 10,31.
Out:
1,48
